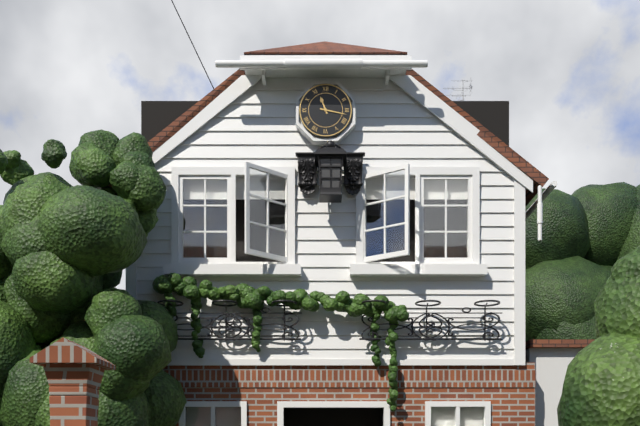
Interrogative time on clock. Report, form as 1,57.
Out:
11,17
